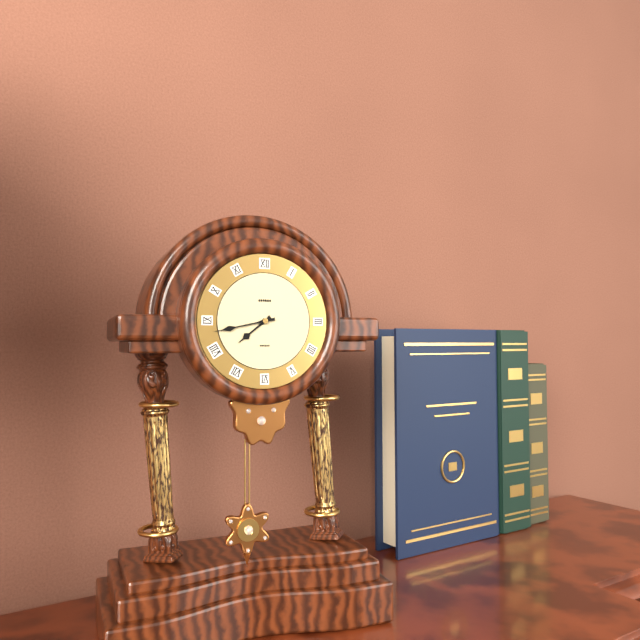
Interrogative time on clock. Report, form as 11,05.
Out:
7,43
